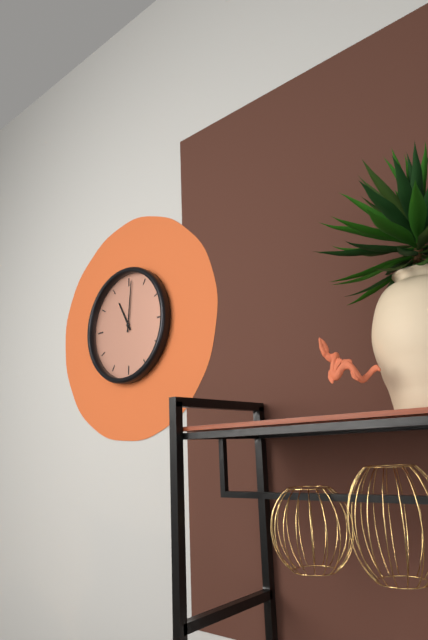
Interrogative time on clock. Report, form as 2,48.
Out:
11,01
